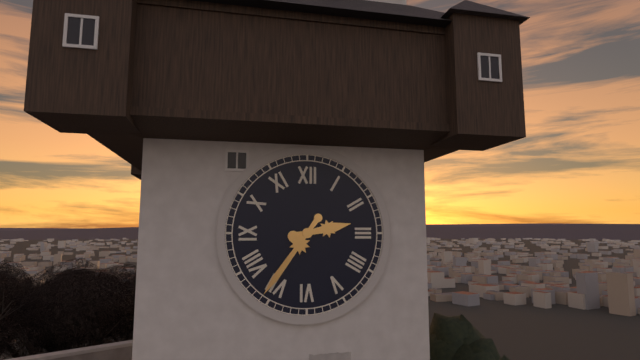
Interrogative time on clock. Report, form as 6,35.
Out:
2,36
